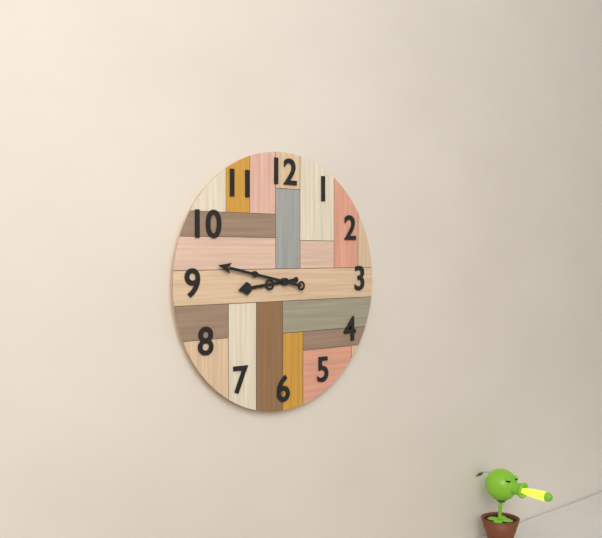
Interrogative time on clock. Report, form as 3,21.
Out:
8,47
